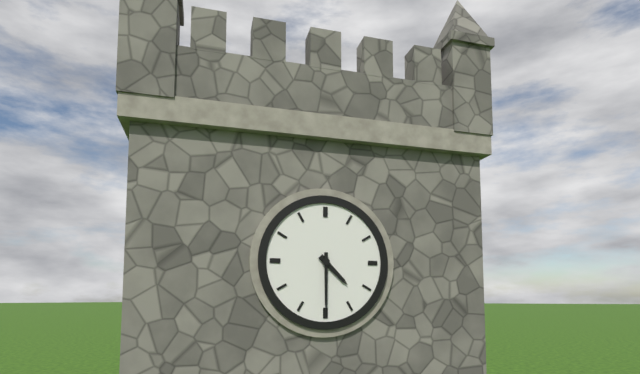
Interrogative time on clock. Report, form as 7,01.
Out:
4,30
